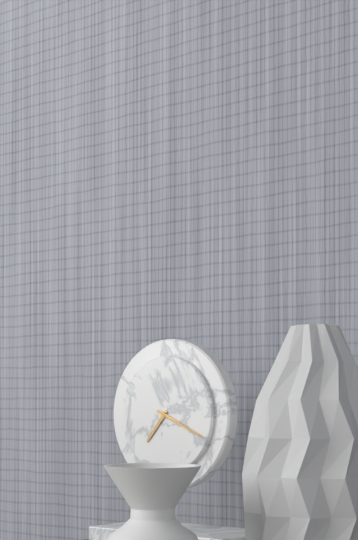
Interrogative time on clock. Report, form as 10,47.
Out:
7,19
